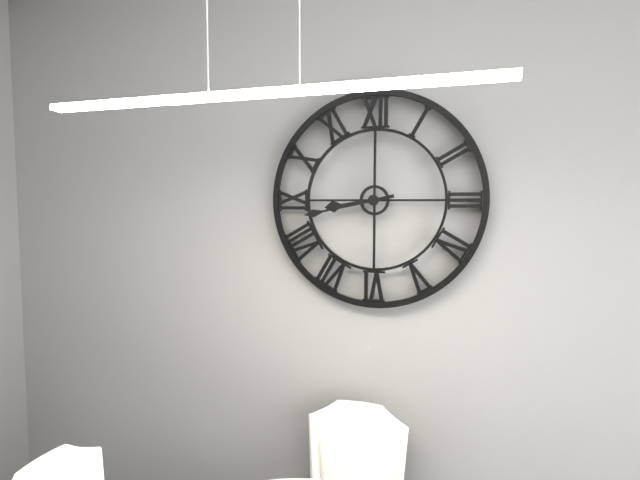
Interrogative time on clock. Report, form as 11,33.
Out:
8,43
